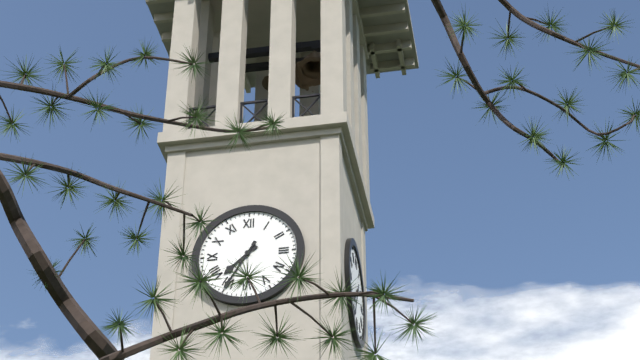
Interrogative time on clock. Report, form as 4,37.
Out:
7,35
